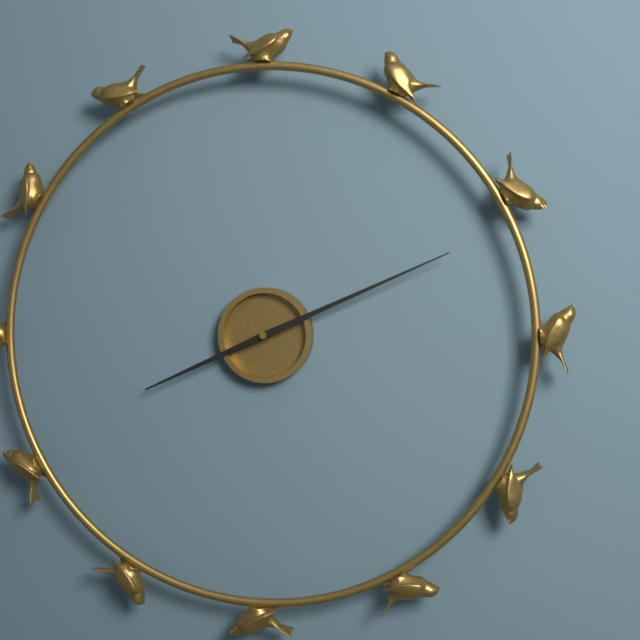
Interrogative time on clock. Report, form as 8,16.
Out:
8,11
